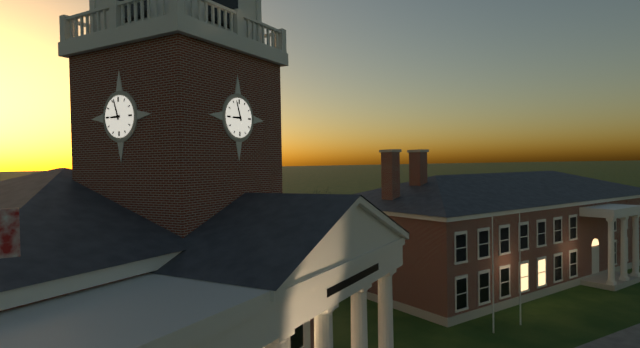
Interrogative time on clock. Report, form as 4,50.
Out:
8,57
